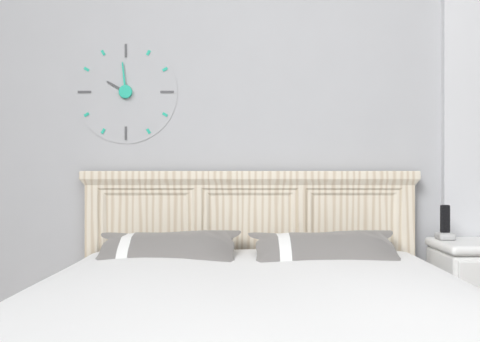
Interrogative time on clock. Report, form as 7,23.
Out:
9,59
